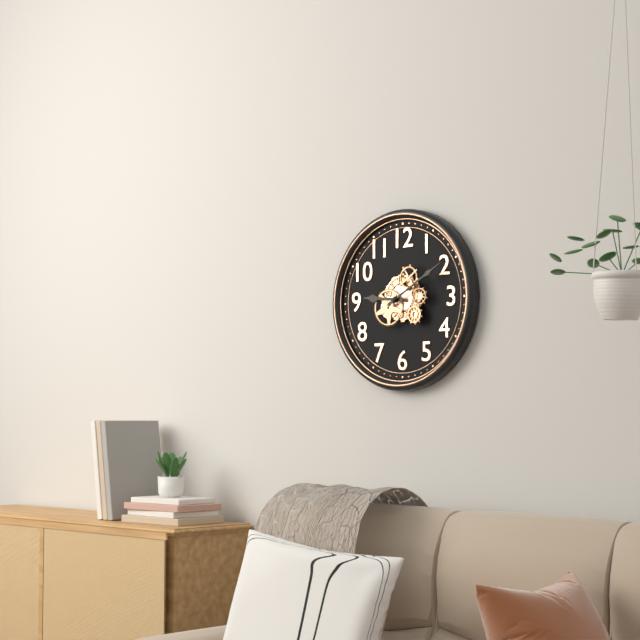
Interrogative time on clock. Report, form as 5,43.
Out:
9,10
